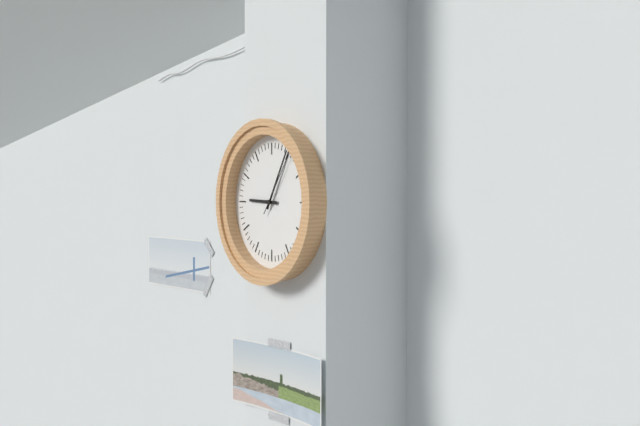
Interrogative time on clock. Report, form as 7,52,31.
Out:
9,05,06
